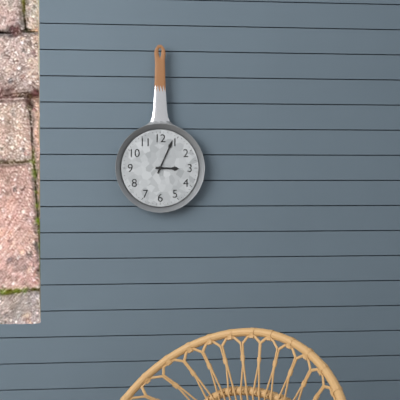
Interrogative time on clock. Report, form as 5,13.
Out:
3,04
